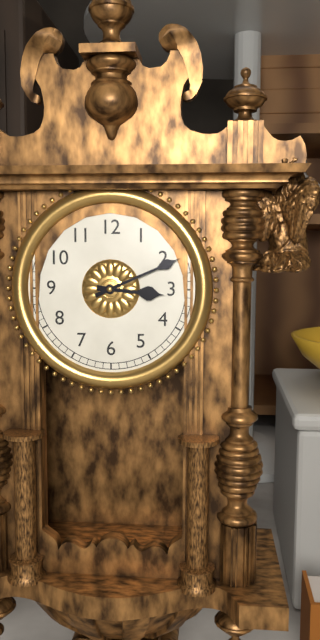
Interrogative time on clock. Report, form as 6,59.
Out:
3,11
